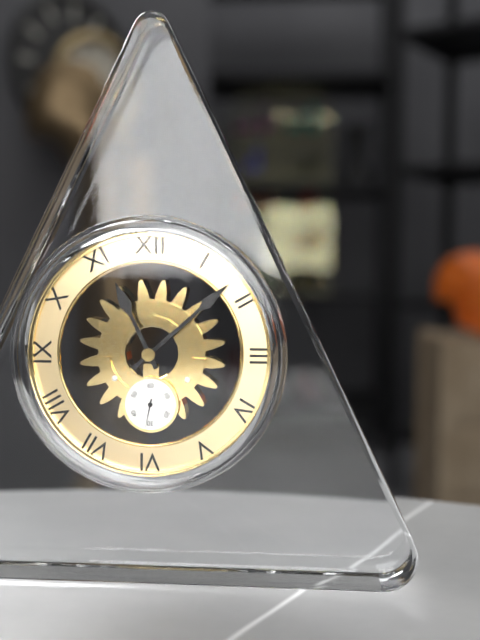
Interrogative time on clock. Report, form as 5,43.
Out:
11,08
